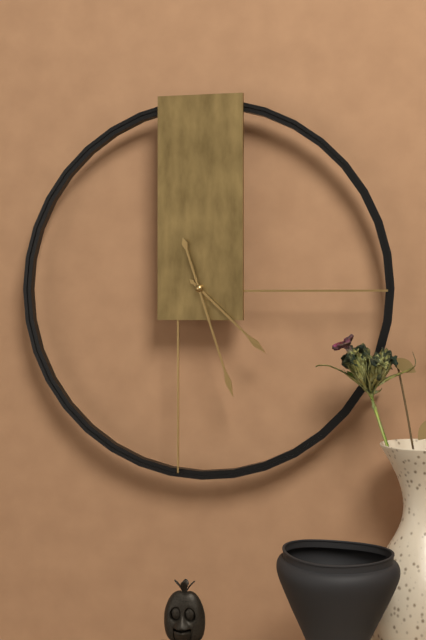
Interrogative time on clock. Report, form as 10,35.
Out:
4,27
